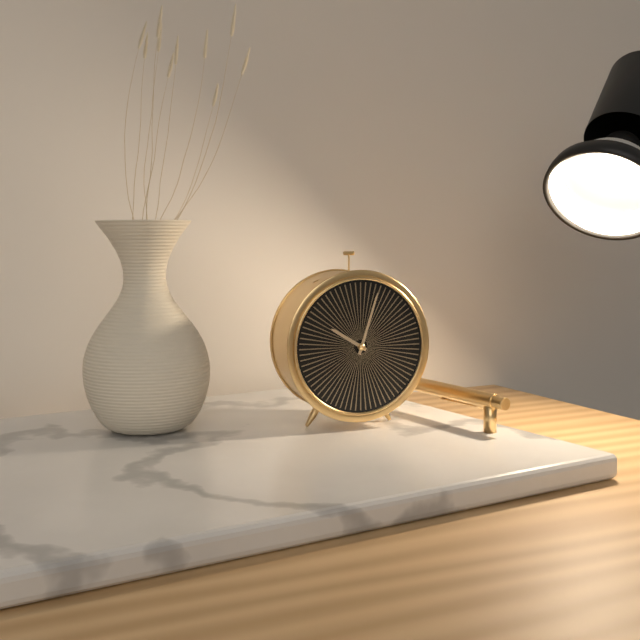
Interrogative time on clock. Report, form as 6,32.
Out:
10,03
